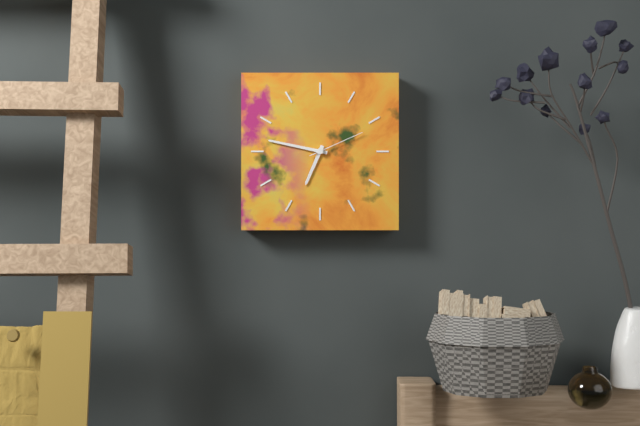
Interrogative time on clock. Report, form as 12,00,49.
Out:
6,47,11
